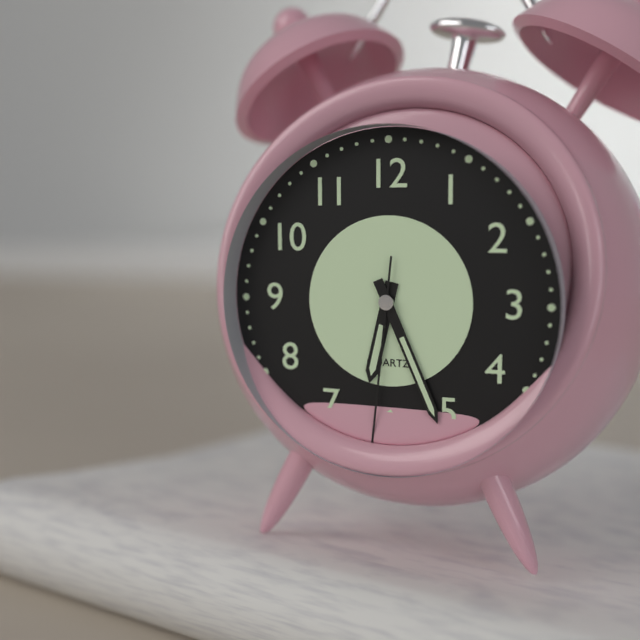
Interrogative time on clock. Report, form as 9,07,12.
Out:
6,26,31
